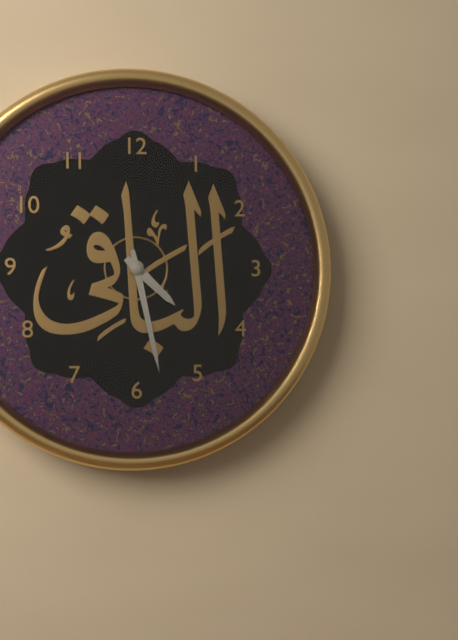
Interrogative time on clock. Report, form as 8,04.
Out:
4,28
